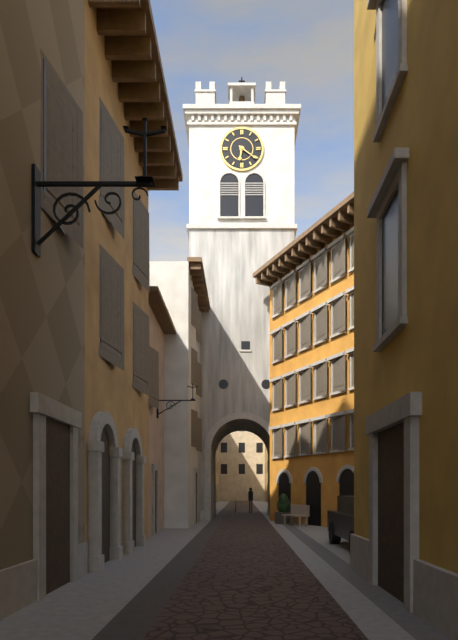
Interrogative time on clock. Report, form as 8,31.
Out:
6,21
